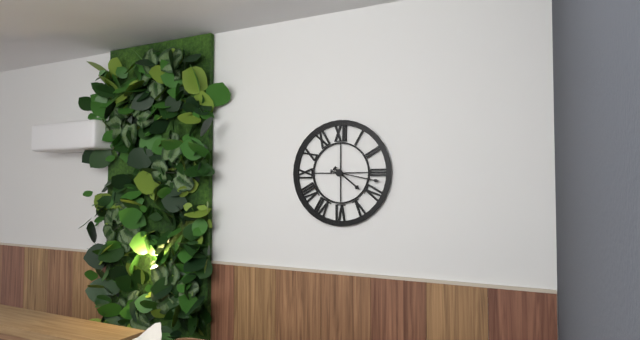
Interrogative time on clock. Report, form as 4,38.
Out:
4,17
